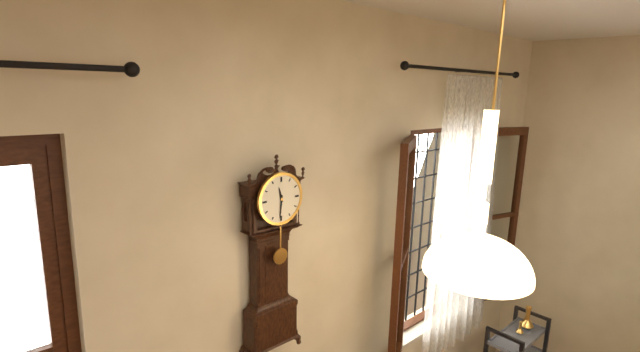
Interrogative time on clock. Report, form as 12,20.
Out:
11,31
